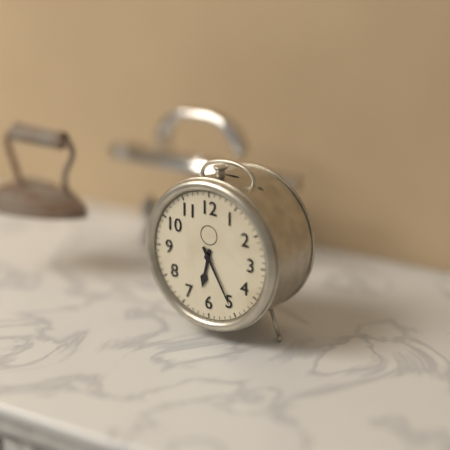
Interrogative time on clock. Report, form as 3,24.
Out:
6,25
